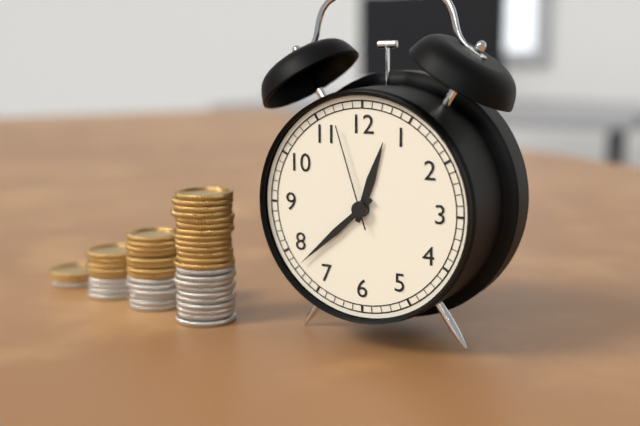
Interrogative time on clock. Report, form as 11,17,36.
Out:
12,38,57
